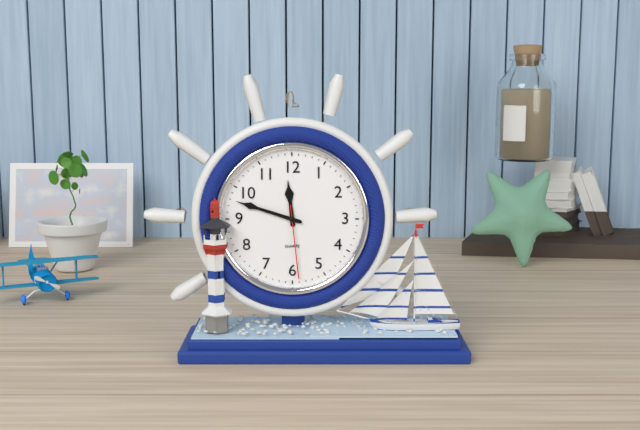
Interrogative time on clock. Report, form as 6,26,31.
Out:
11,48,29
